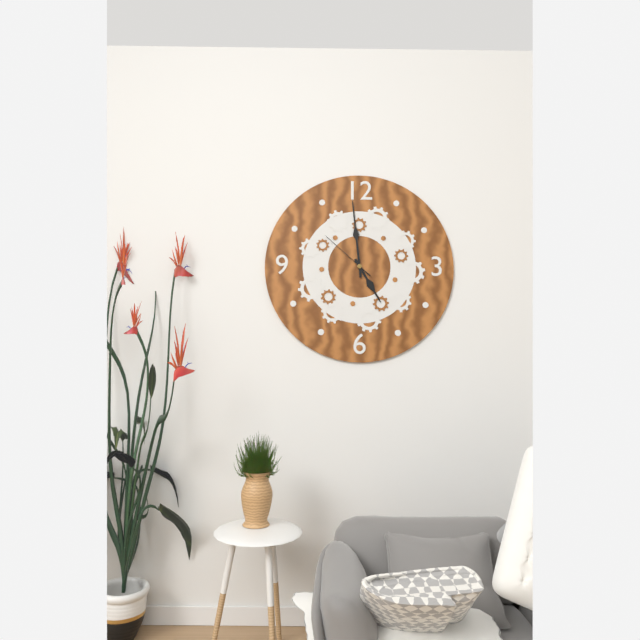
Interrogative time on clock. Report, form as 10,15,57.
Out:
4,59,52
